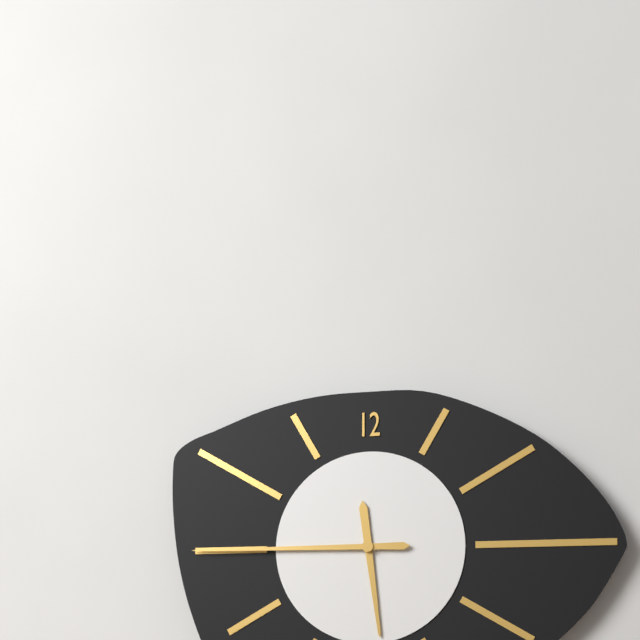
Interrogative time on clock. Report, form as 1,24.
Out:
5,45
